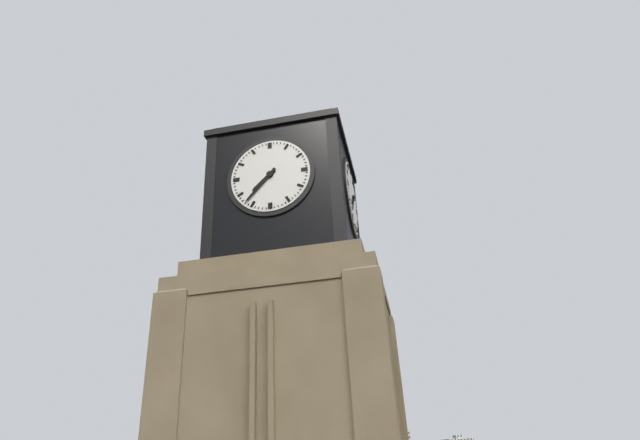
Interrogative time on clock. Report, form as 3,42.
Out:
7,37
